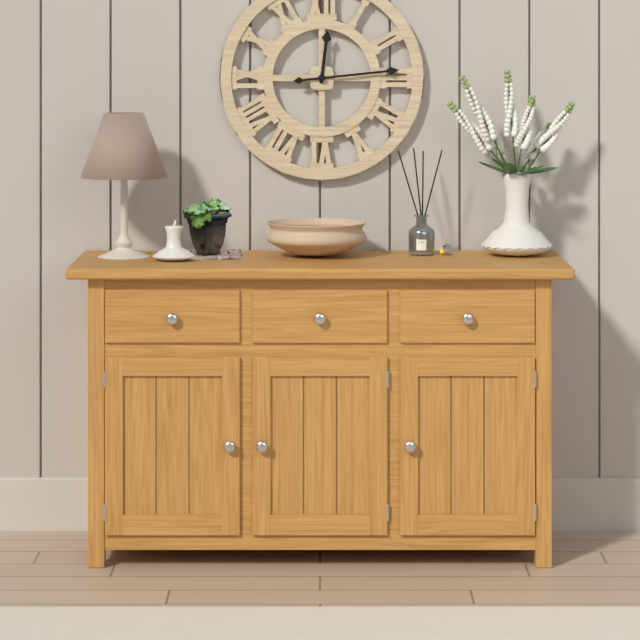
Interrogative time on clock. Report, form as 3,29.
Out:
12,14
